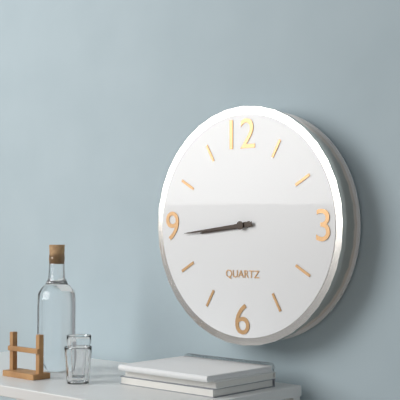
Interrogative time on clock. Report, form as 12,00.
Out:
8,44
